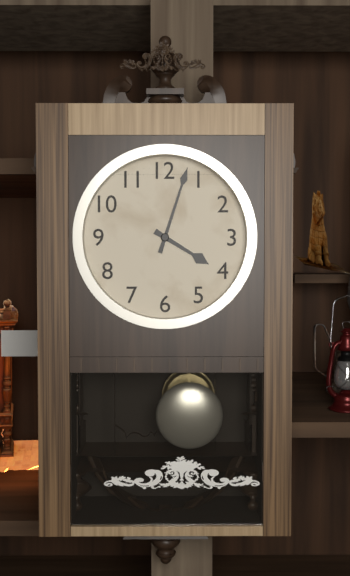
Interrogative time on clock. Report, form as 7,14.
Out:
4,03
